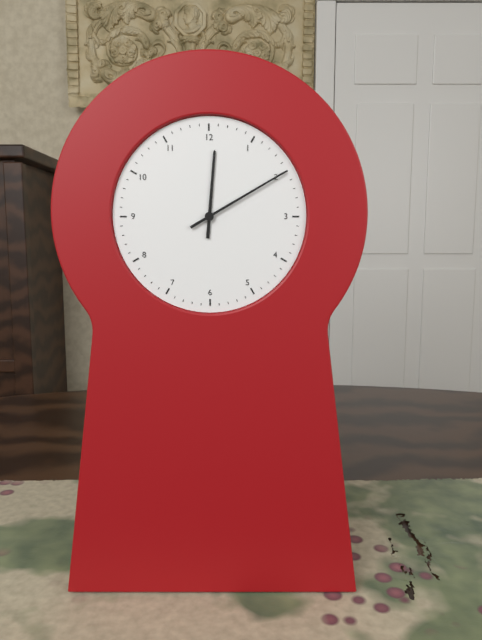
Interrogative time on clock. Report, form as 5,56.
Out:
12,10
